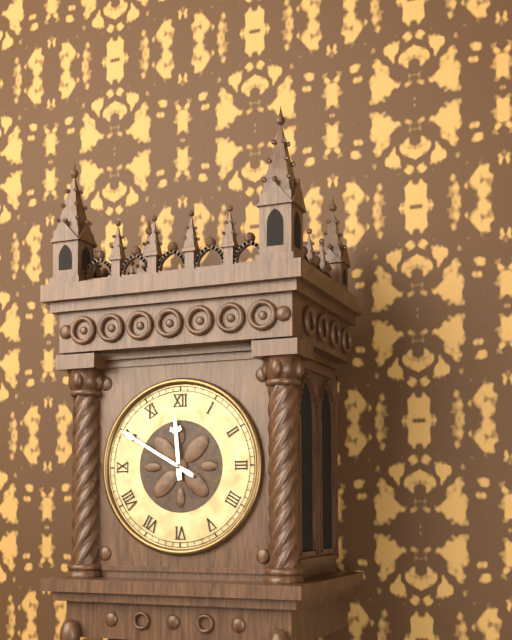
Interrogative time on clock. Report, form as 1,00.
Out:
11,50
